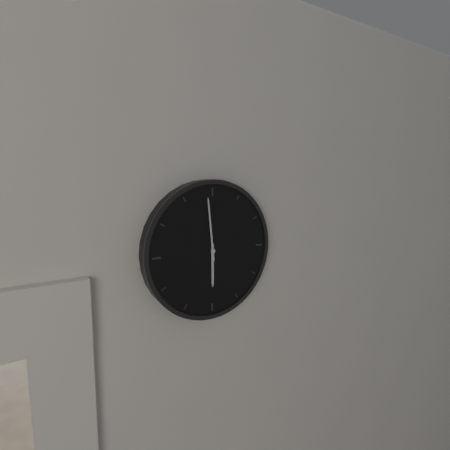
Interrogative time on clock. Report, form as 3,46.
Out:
5,59
